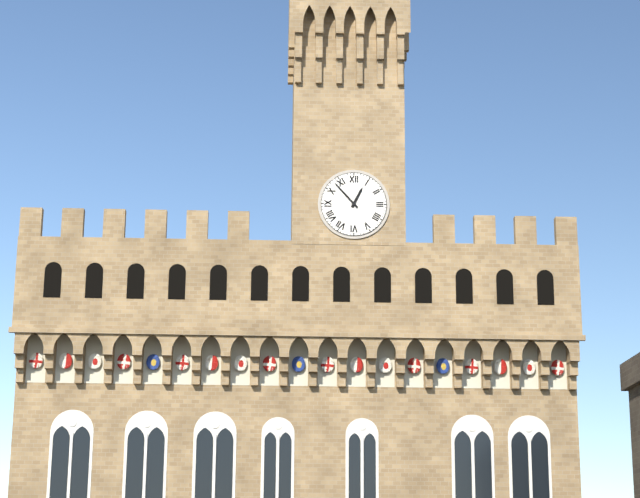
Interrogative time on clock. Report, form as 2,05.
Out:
12,53
